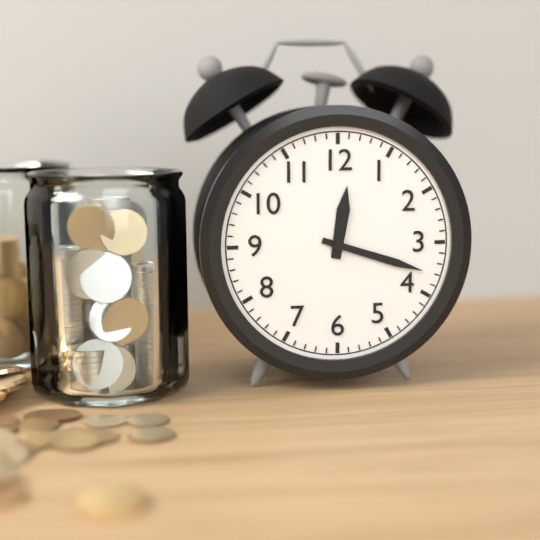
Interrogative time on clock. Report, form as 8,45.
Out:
12,18
